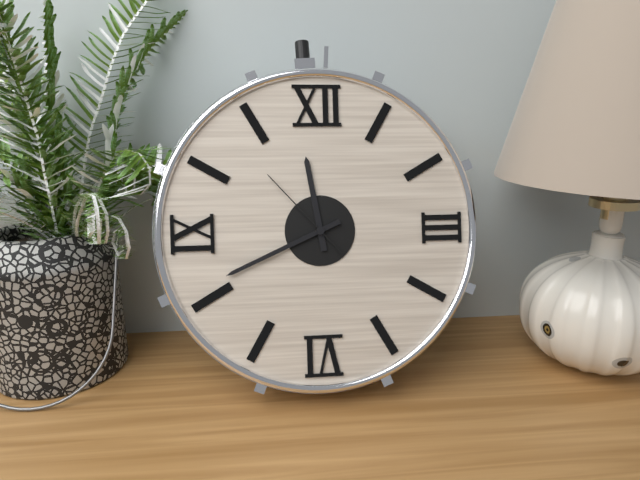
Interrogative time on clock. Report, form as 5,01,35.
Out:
11,41,53
